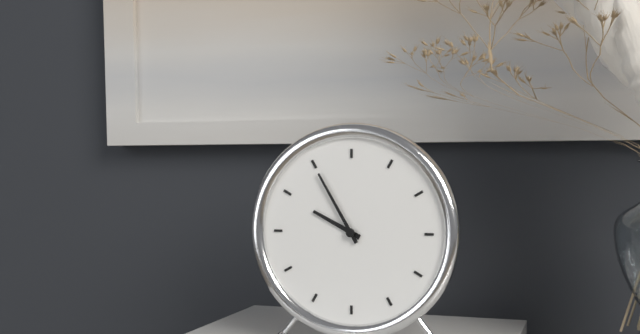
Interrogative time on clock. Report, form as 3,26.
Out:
9,55
